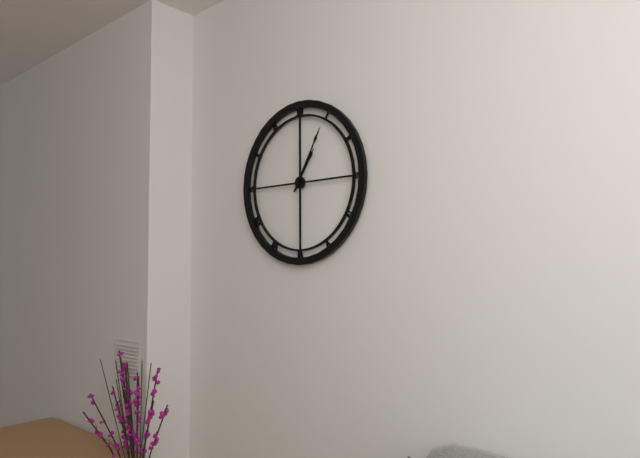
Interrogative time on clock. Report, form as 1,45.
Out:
1,05
